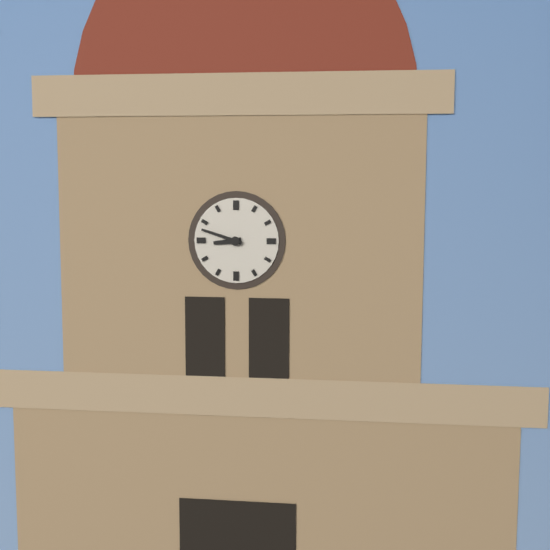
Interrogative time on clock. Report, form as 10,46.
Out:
8,48
